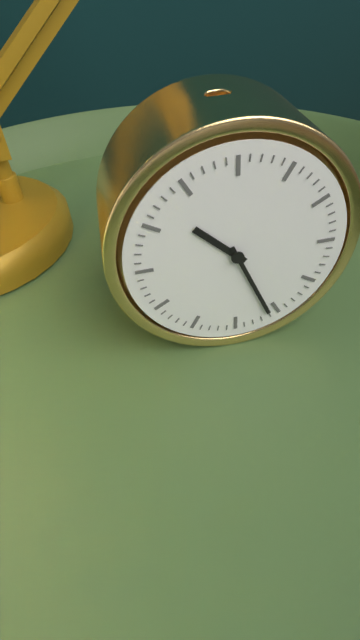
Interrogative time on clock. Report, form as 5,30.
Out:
10,26
